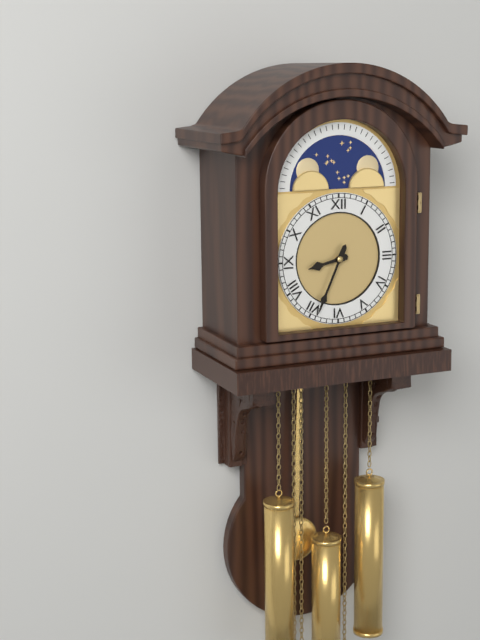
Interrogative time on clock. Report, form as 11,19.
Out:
8,34
